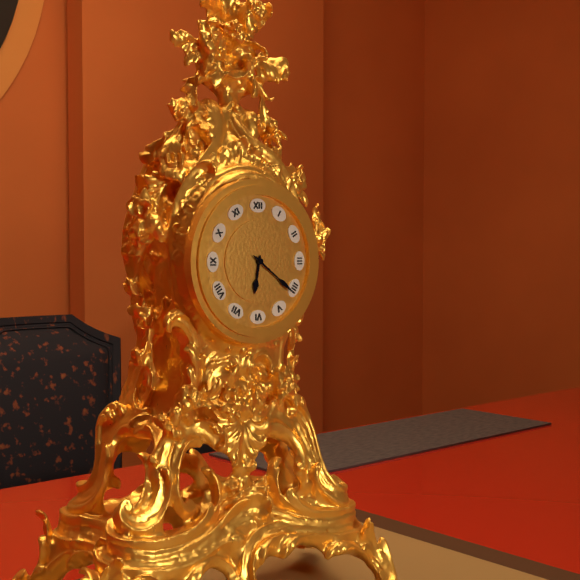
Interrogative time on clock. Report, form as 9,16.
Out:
6,21
